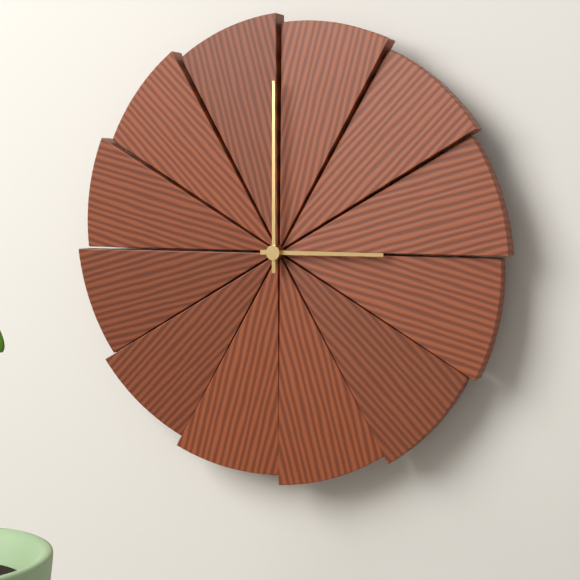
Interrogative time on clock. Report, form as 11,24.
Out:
3,00
